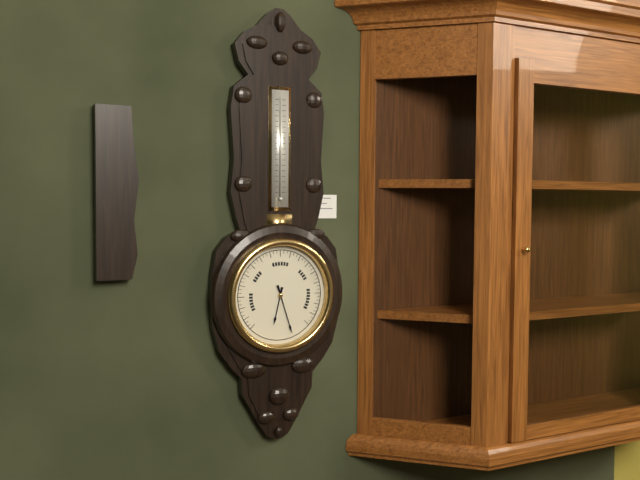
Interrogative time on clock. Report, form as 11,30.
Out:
6,27
